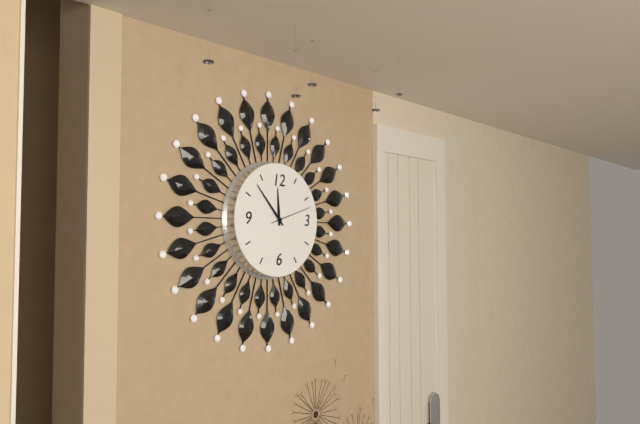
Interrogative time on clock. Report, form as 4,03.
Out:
11,53
